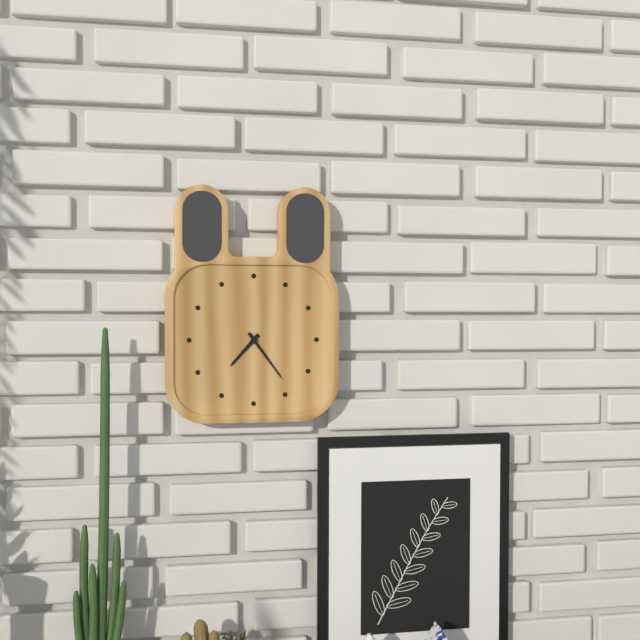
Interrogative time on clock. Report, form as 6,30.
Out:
7,24
